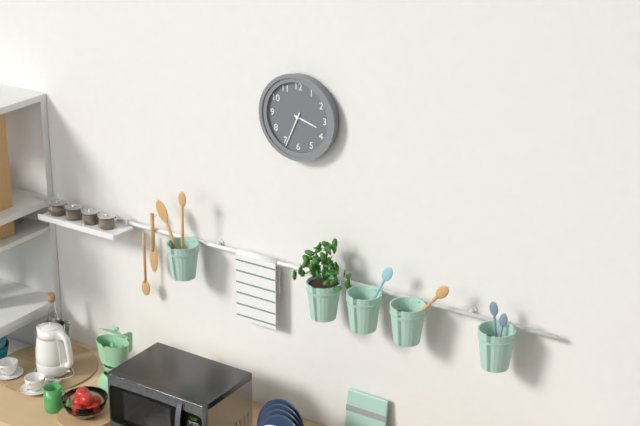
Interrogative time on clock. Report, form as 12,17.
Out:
3,34
